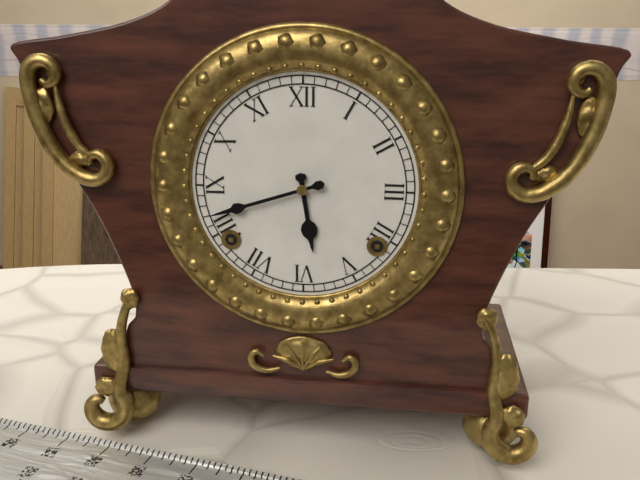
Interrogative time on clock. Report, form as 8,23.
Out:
5,42
